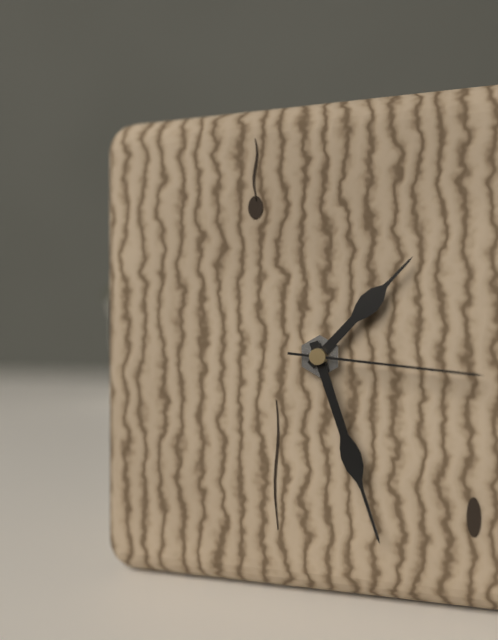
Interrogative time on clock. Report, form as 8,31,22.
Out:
1,27,16
